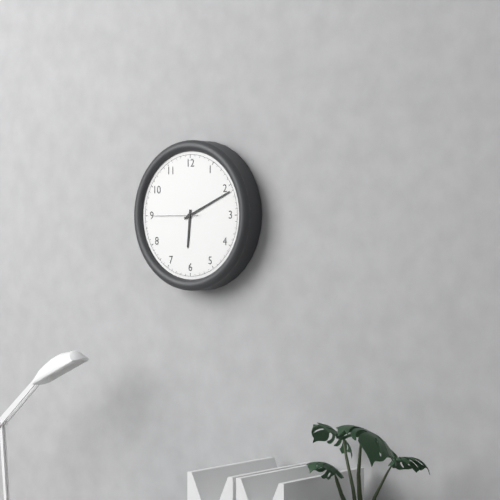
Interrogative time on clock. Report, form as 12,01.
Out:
6,11
